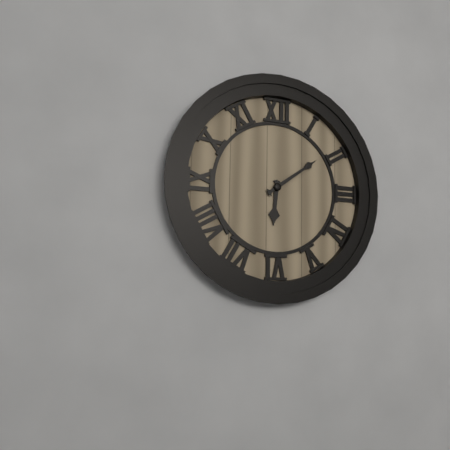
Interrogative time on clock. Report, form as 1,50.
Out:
6,09
